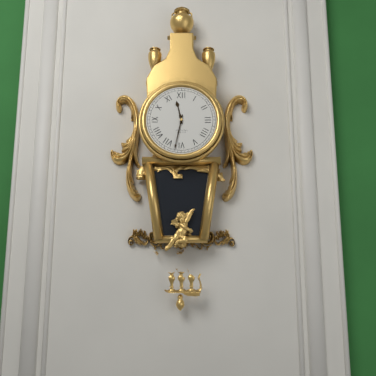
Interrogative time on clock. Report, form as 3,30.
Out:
11,32
